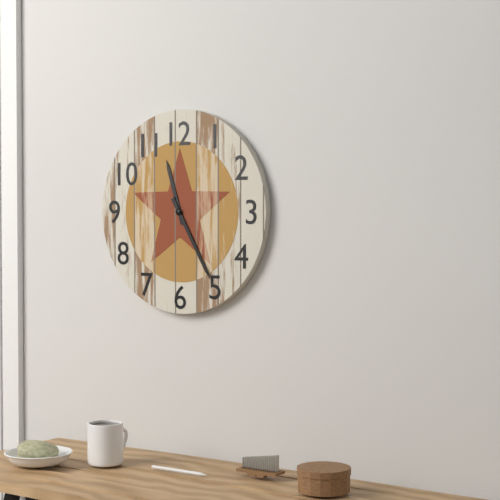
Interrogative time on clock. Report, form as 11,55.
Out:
11,25
